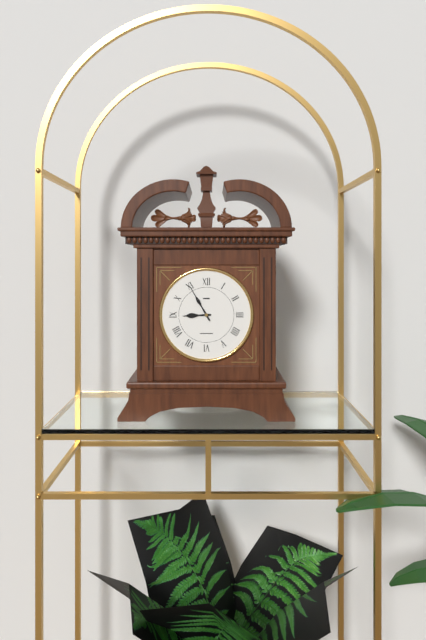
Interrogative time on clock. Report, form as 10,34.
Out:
8,55
